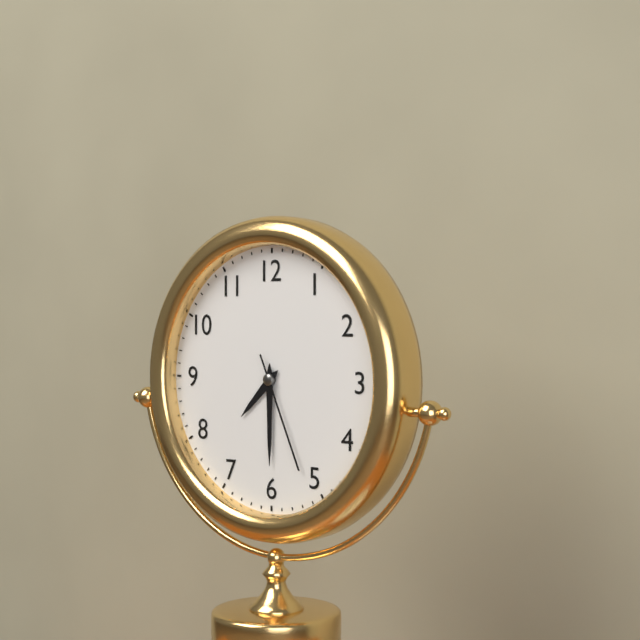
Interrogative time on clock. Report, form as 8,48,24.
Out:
7,30,26
